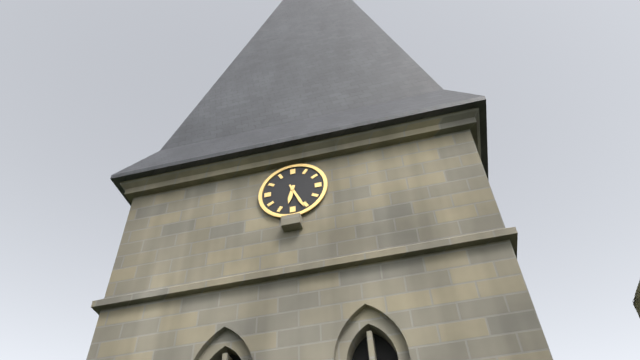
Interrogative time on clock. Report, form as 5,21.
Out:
6,26
